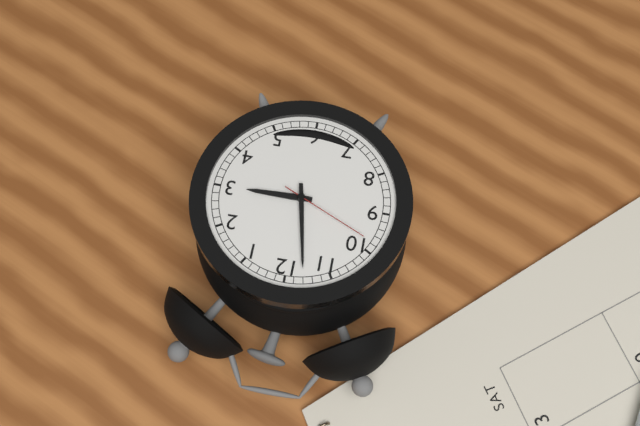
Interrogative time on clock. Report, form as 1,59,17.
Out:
2,58,49
